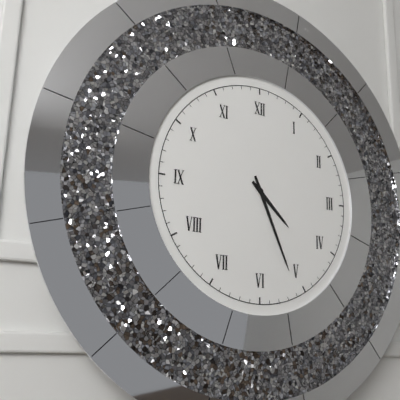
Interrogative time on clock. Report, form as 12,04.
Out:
4,26
